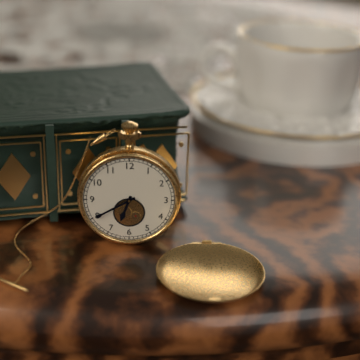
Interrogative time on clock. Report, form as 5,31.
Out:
6,40
